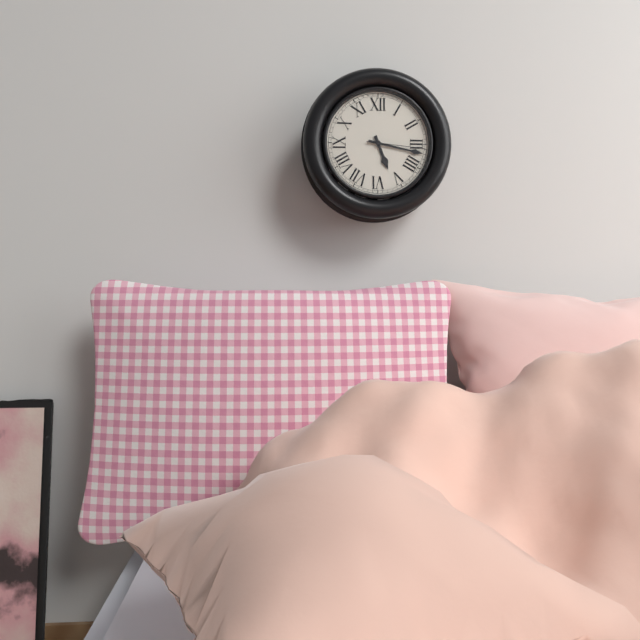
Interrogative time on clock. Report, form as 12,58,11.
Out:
5,17,16
